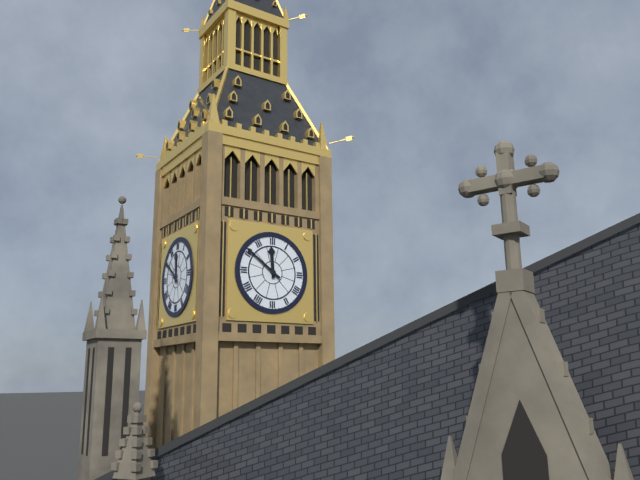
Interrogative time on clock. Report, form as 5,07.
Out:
11,51
